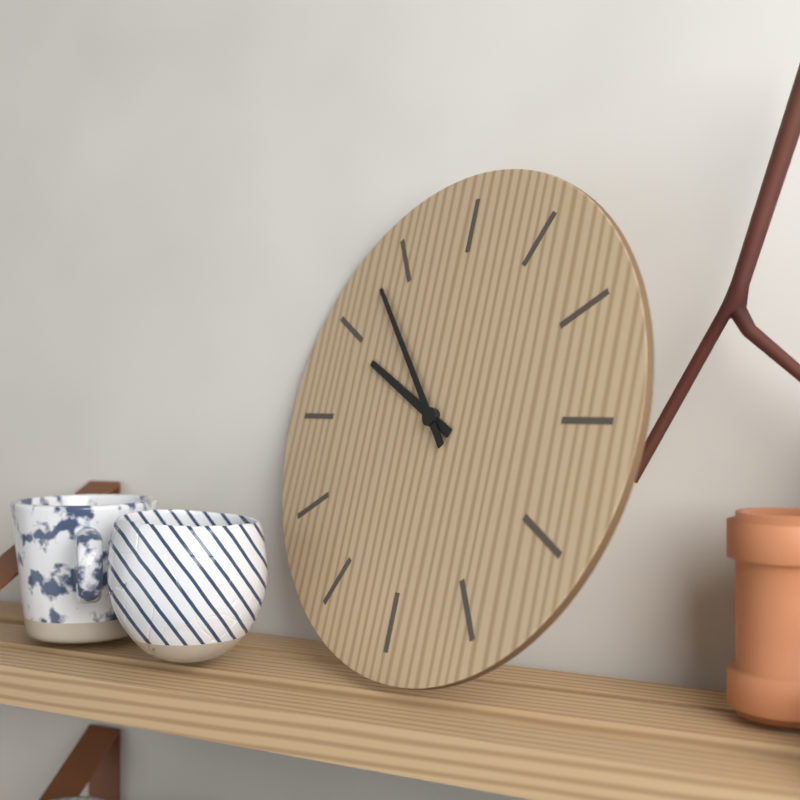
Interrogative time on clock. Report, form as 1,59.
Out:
9,53
